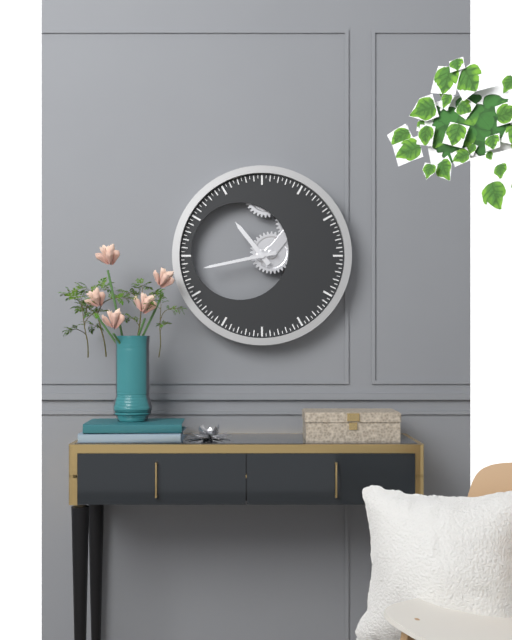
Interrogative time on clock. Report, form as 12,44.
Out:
10,43
